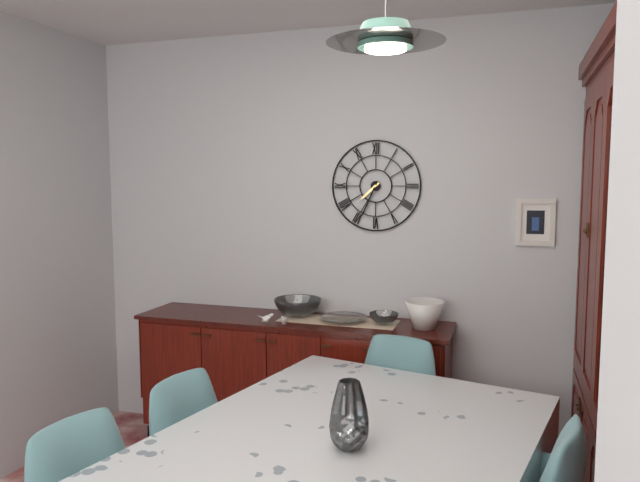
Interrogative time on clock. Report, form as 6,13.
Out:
7,34
